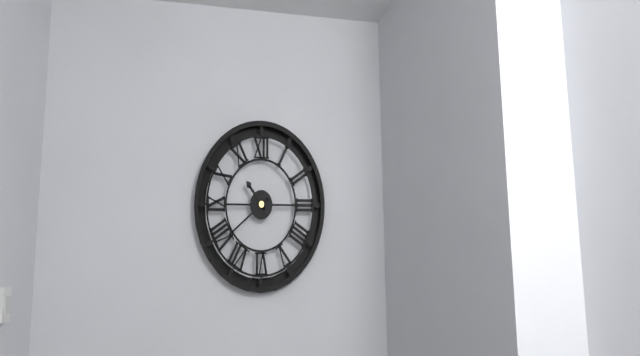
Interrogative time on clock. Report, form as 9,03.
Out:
10,39
